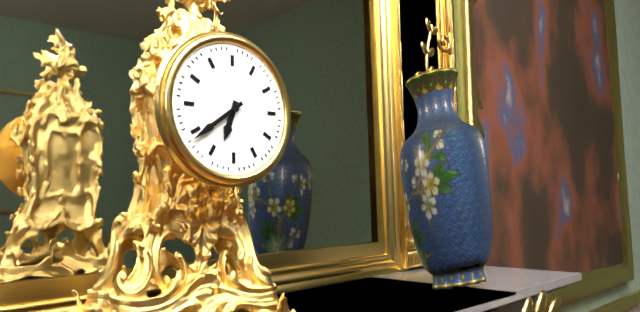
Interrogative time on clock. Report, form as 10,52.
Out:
6,39
